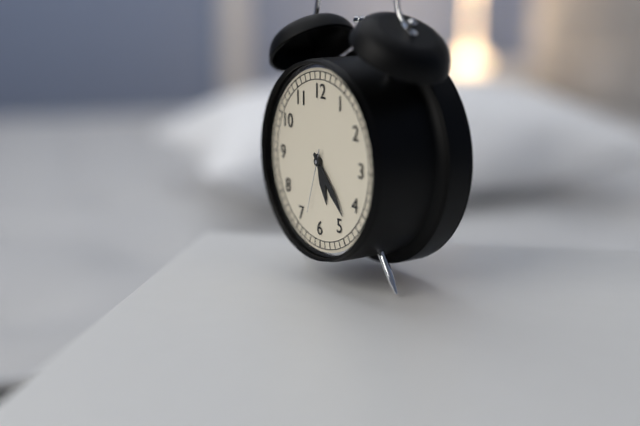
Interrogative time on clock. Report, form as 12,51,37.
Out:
5,23,33
